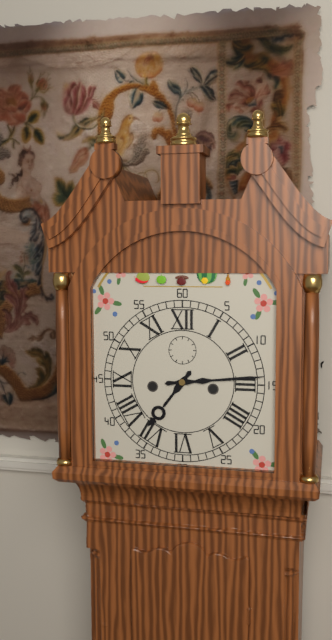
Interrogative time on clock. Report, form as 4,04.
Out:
7,14
